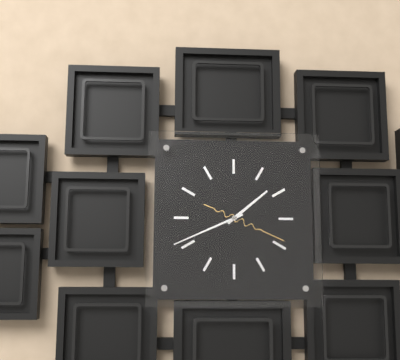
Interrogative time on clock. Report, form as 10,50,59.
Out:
1,41,19
